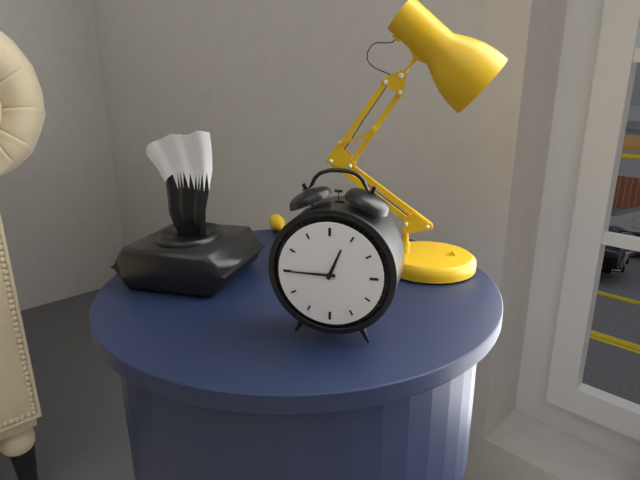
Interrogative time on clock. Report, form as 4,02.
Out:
12,45
